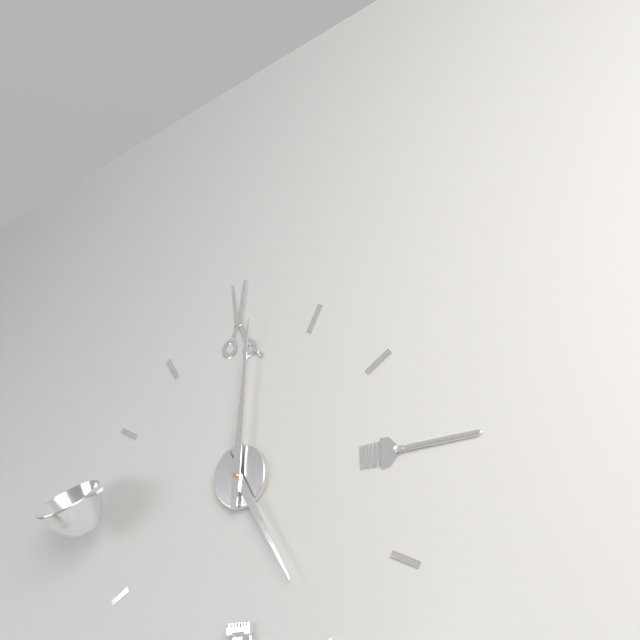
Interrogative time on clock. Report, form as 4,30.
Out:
5,01
